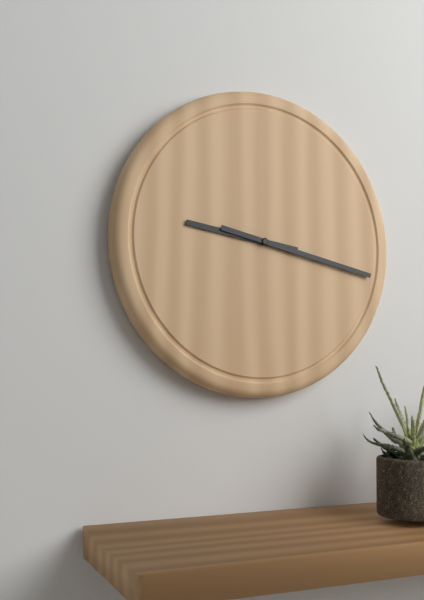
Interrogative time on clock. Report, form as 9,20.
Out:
9,17
